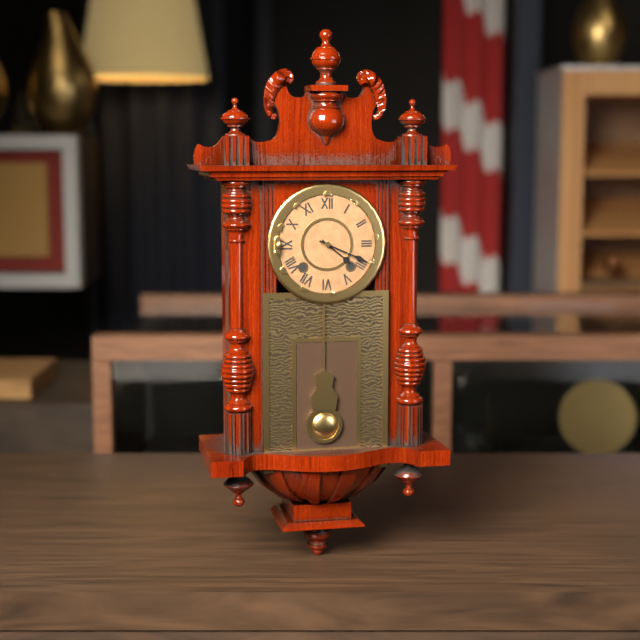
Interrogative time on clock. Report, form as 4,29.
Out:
4,19
